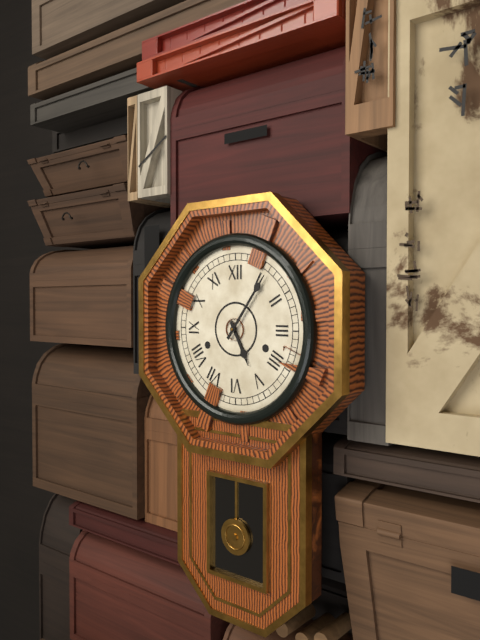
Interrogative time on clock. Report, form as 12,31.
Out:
5,06
